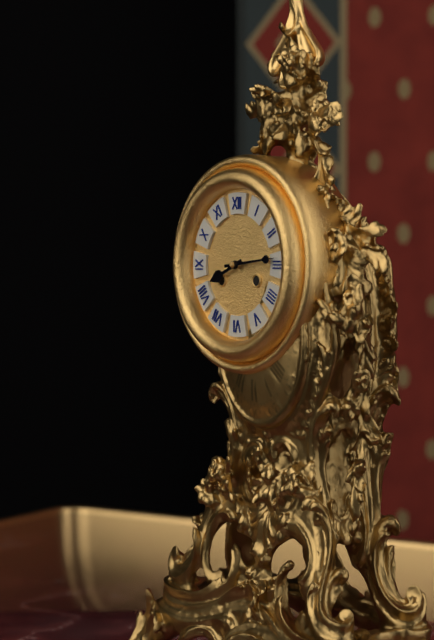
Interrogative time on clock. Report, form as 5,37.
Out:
8,14
